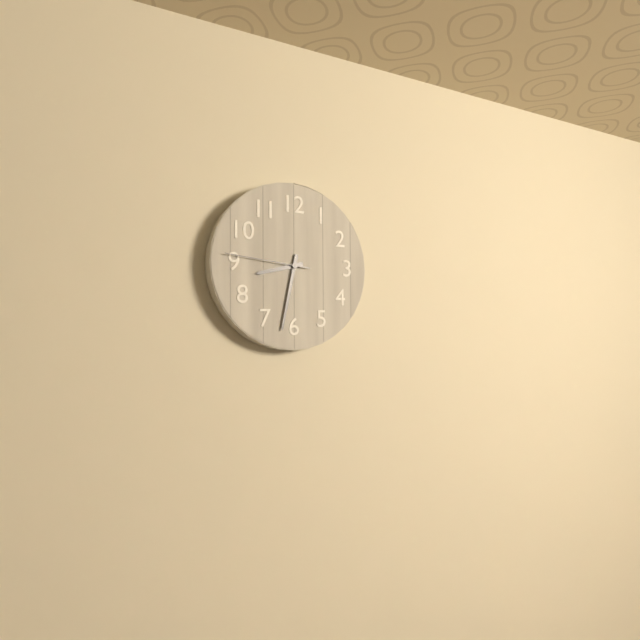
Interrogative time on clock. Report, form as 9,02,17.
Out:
8,32,46
